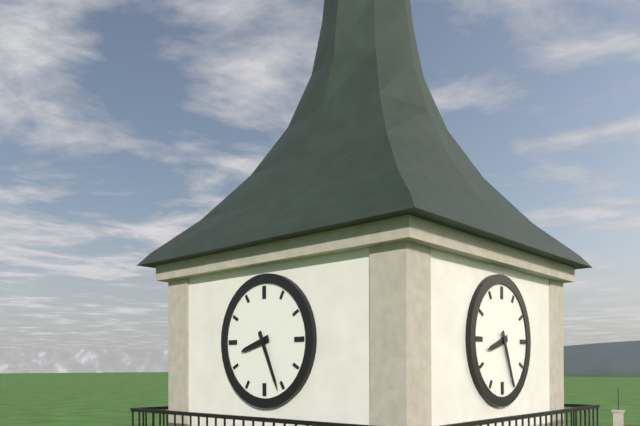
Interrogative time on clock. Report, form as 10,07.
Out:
8,26
